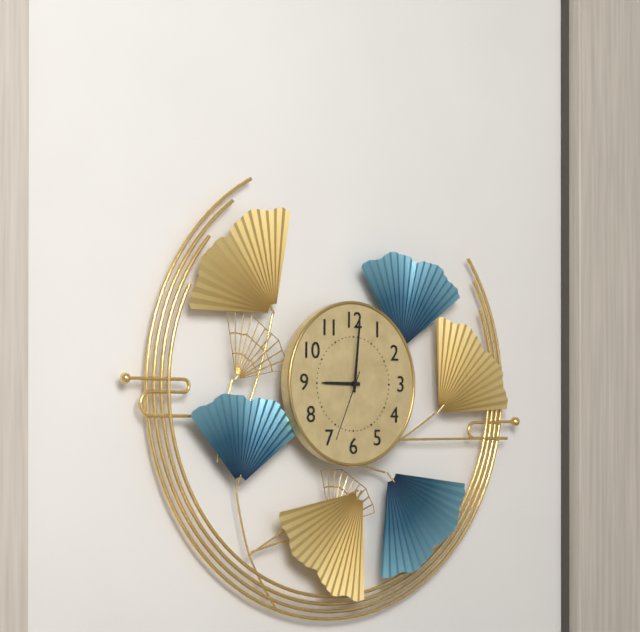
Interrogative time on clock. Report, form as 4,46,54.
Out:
9,01,34
